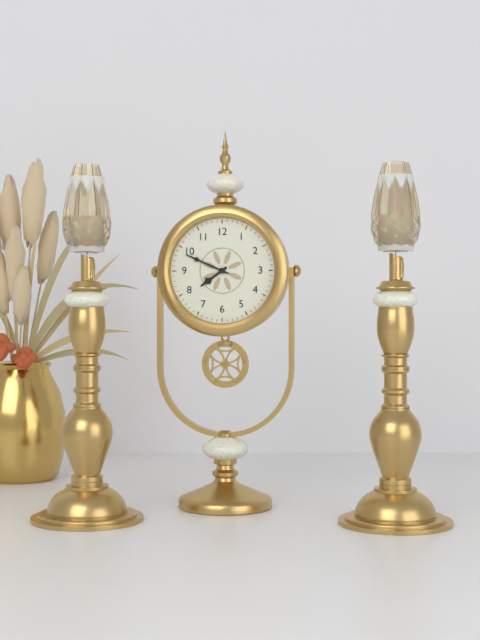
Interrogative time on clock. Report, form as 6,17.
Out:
7,49
